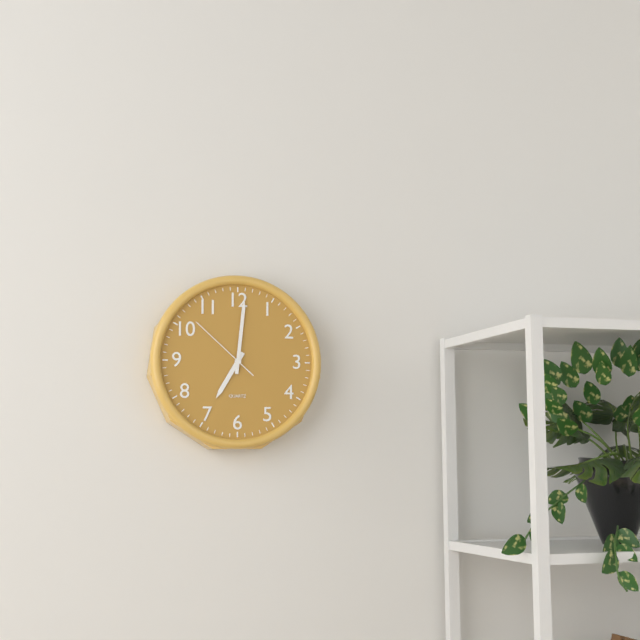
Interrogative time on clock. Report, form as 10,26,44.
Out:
7,01,52
